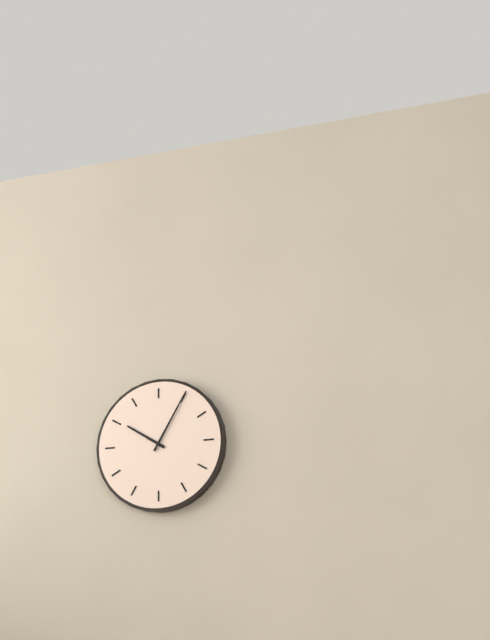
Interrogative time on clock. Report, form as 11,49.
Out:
10,05
